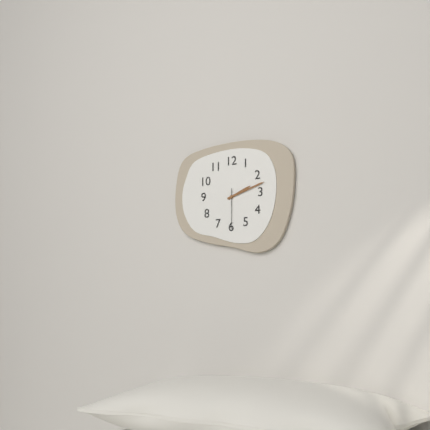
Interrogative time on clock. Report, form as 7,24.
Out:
2,12
